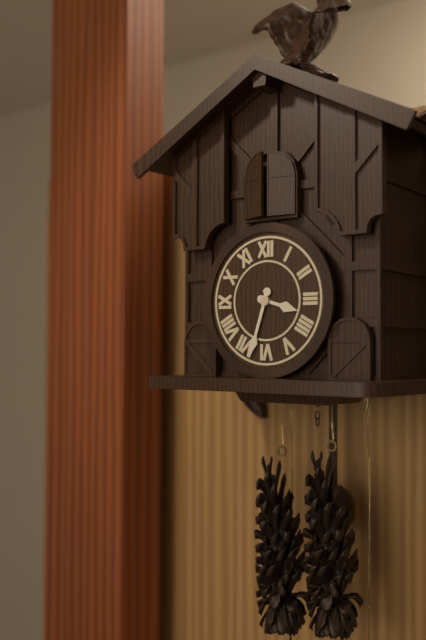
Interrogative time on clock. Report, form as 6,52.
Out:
3,33
